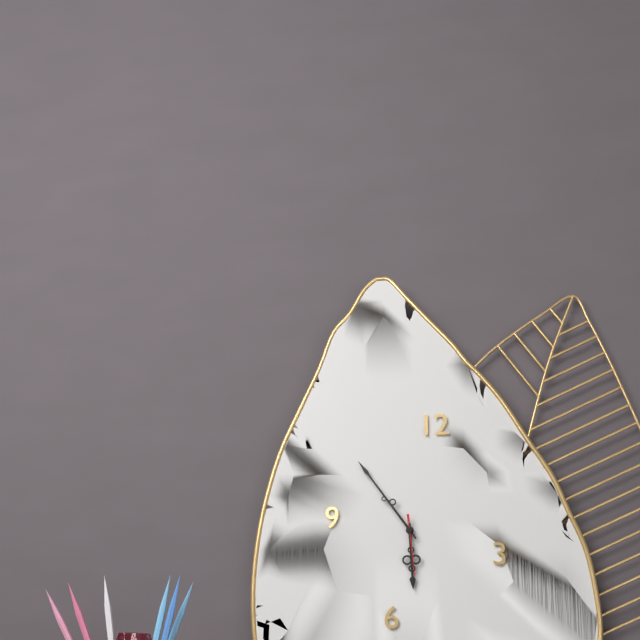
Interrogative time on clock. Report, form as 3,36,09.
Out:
5,54,29
